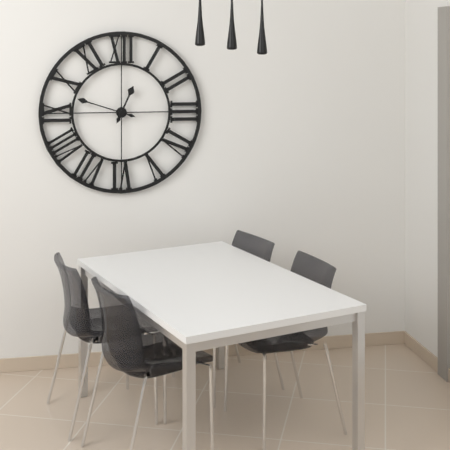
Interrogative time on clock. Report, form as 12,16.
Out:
12,48
